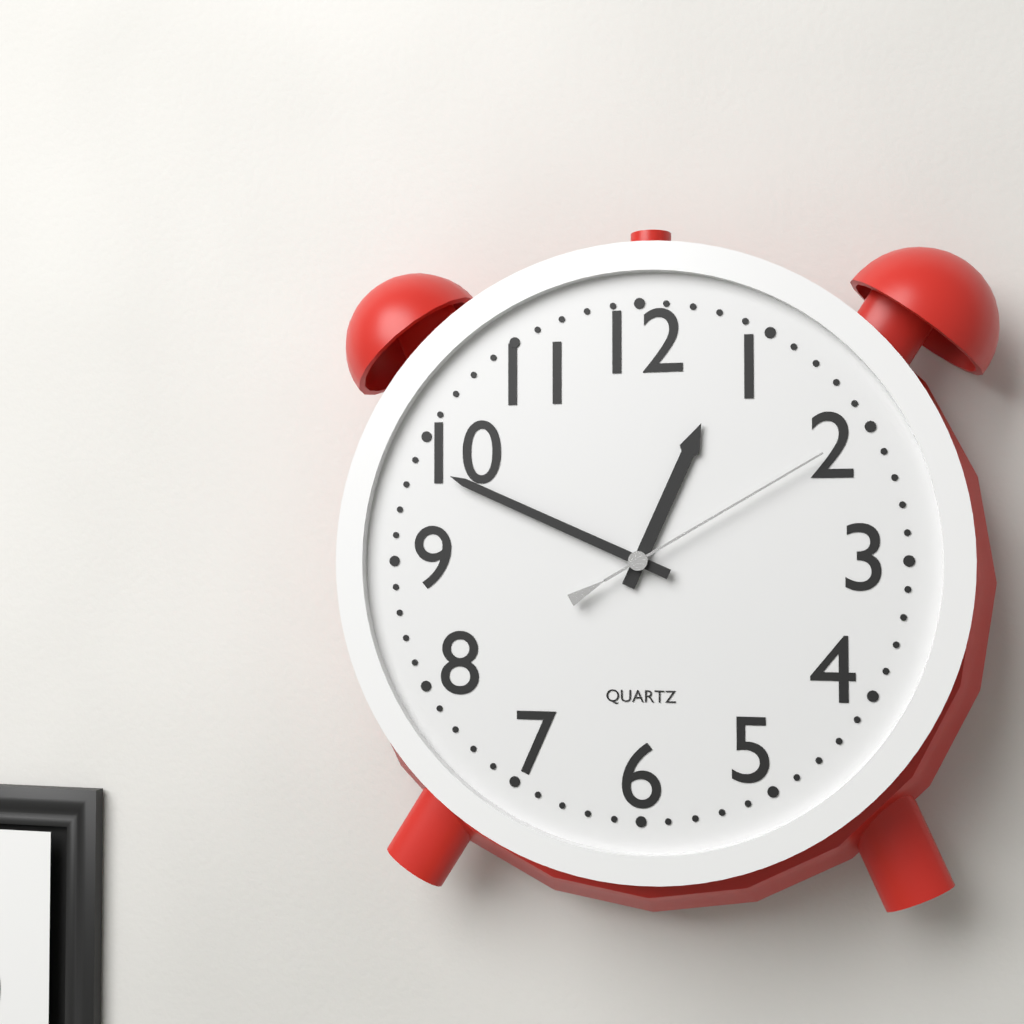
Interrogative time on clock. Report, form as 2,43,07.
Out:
12,49,10
